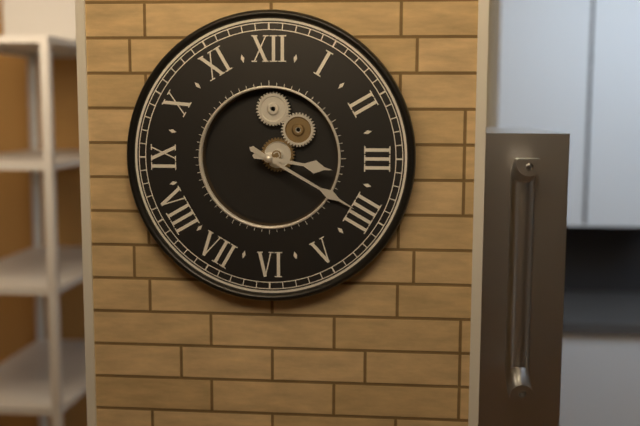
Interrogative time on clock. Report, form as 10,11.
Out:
3,20
